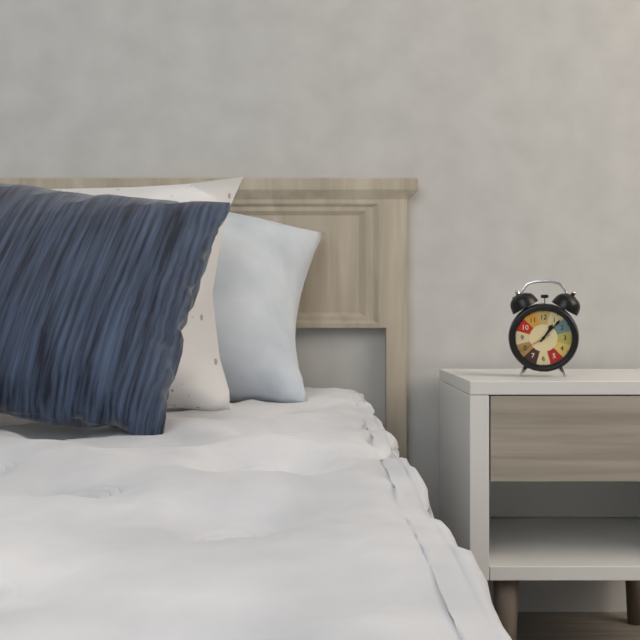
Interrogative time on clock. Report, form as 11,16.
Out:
1,07
